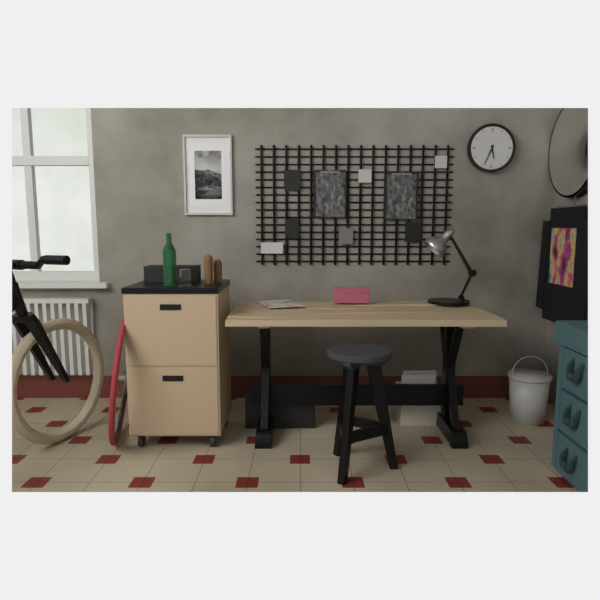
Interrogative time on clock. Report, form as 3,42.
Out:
5,34
